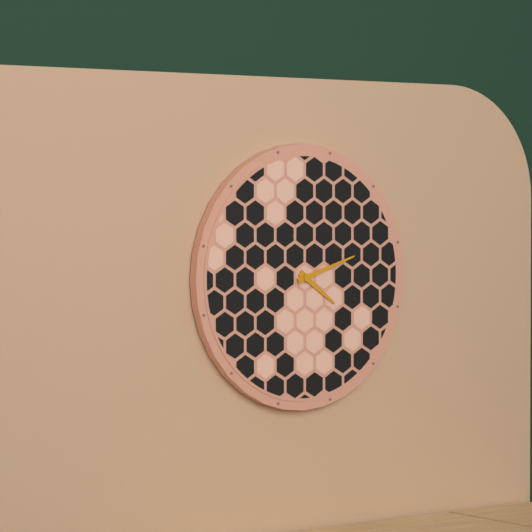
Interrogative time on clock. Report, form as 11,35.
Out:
4,12
